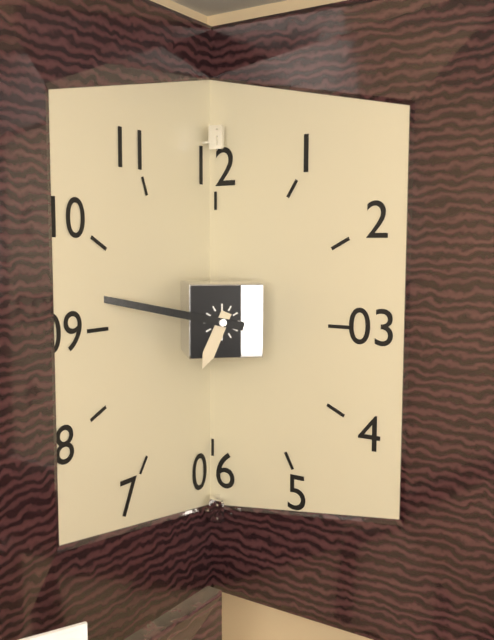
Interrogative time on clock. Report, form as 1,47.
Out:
6,47
